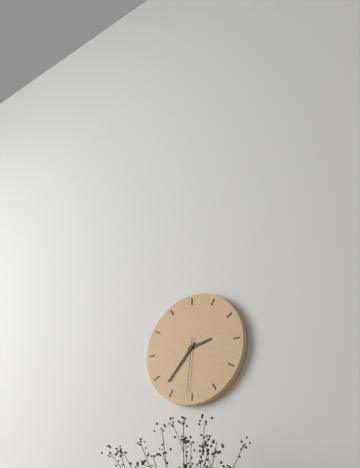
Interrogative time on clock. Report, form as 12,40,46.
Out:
2,37,31
